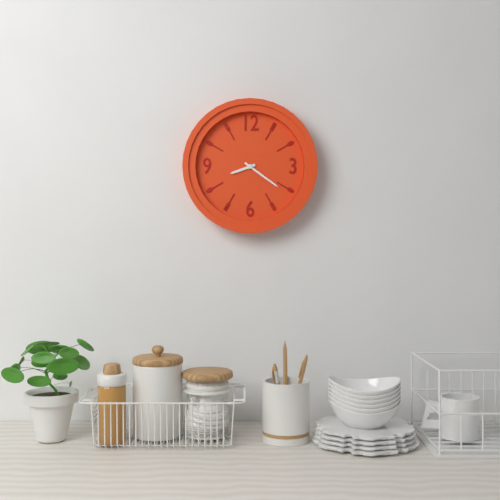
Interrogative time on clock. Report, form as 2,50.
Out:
8,21
